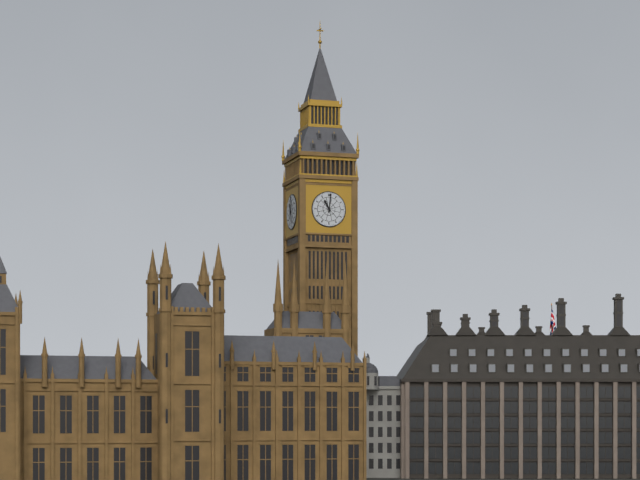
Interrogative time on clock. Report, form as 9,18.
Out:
11,01
